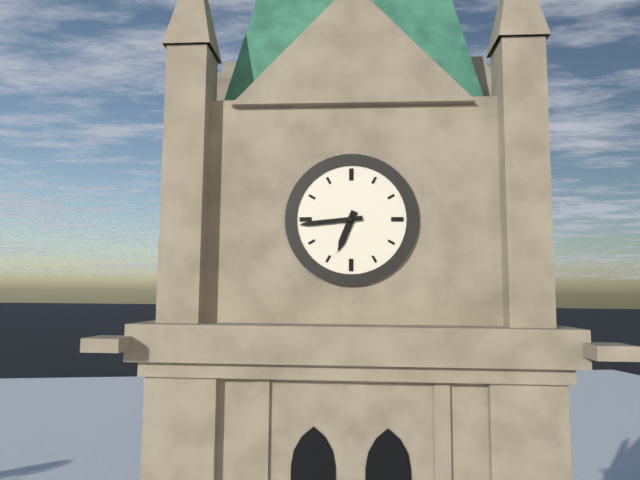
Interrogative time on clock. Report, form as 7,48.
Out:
6,44
